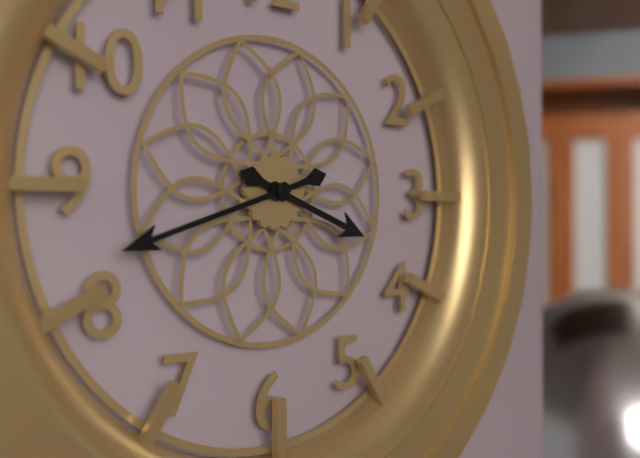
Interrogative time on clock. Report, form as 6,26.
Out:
3,42
